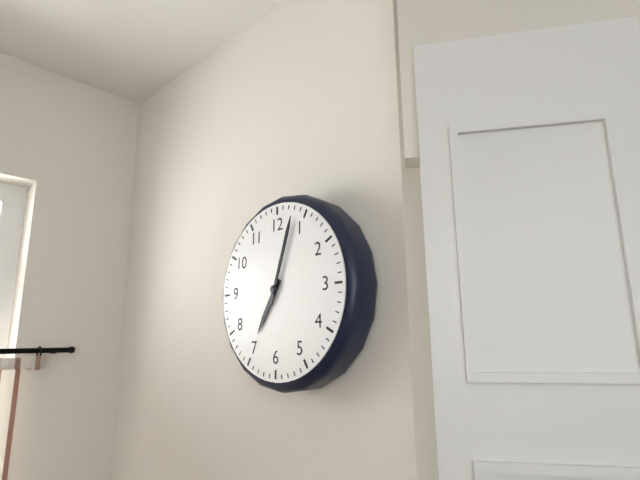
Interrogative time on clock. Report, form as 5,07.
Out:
7,03
